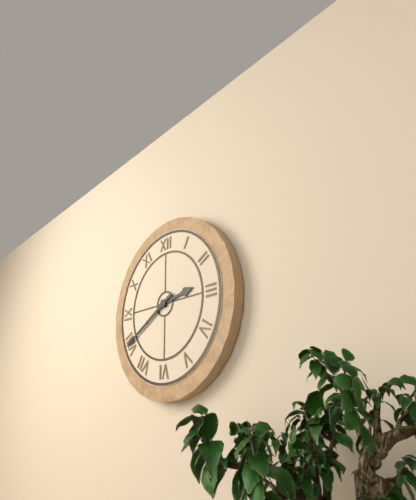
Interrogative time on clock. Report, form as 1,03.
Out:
2,40
